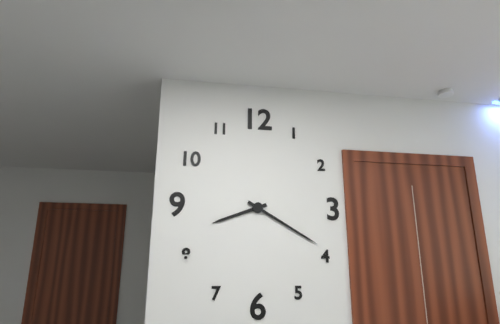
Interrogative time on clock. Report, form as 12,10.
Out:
8,20
